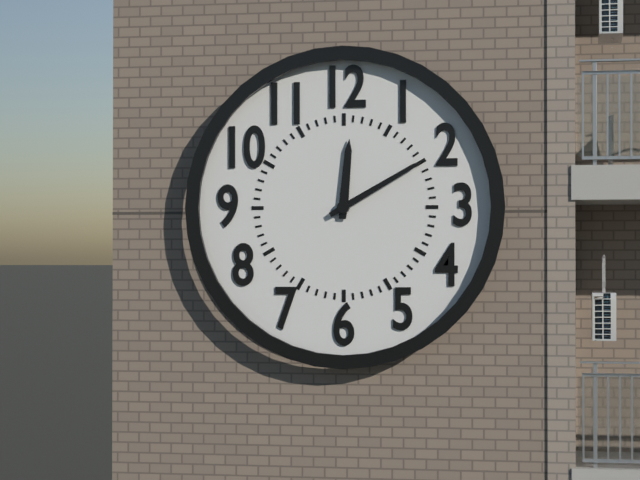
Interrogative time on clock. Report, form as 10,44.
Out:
12,10
